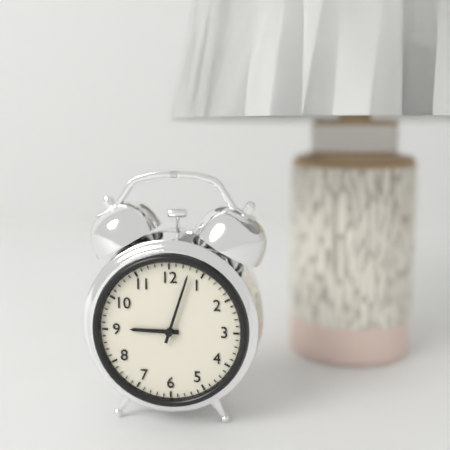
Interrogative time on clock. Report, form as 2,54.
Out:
9,03
